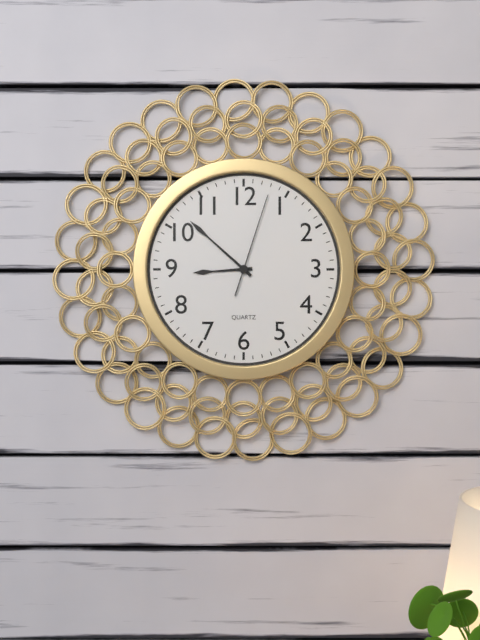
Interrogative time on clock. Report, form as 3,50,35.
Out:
8,52,03
